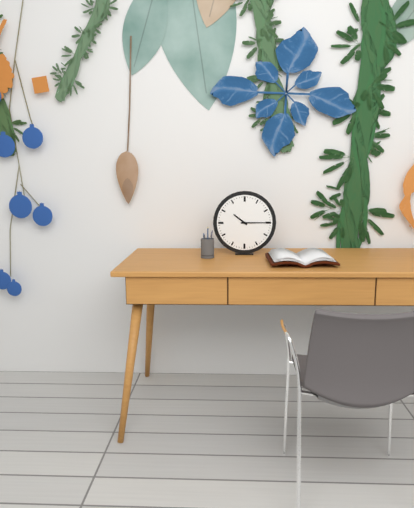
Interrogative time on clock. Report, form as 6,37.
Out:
10,15
